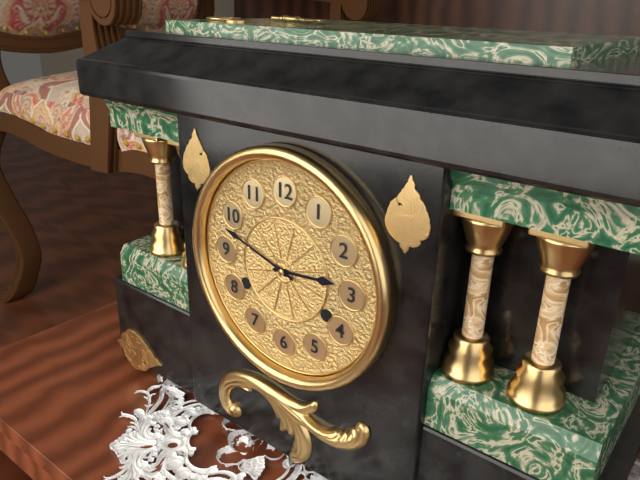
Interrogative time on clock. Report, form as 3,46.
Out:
2,48
